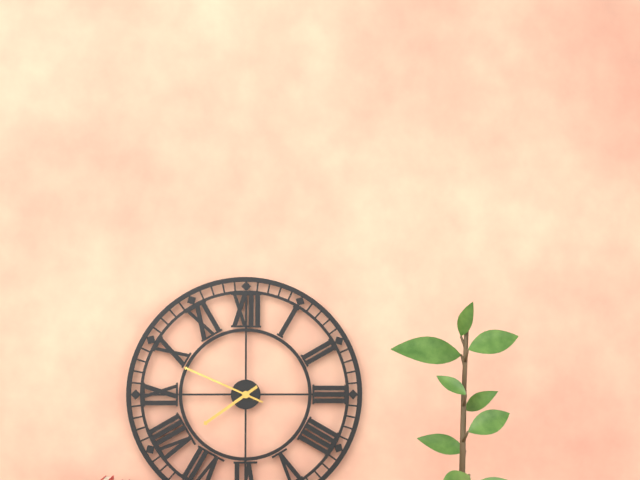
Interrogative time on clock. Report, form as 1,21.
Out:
7,49
